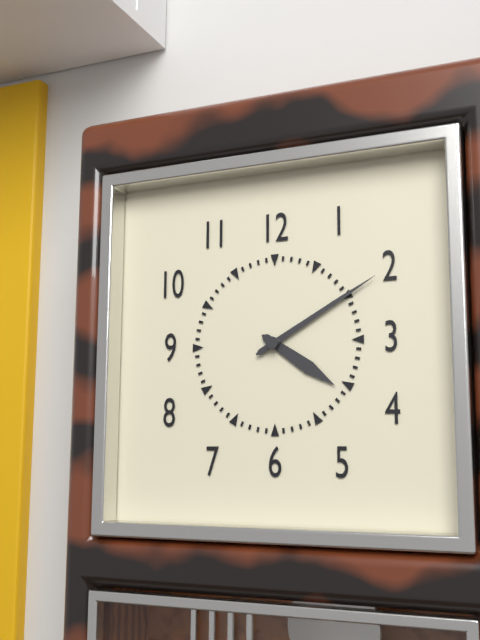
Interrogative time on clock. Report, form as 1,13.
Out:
4,10
